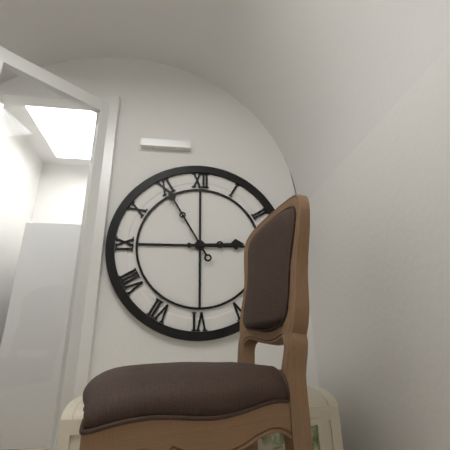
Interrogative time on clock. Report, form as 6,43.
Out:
2,55
